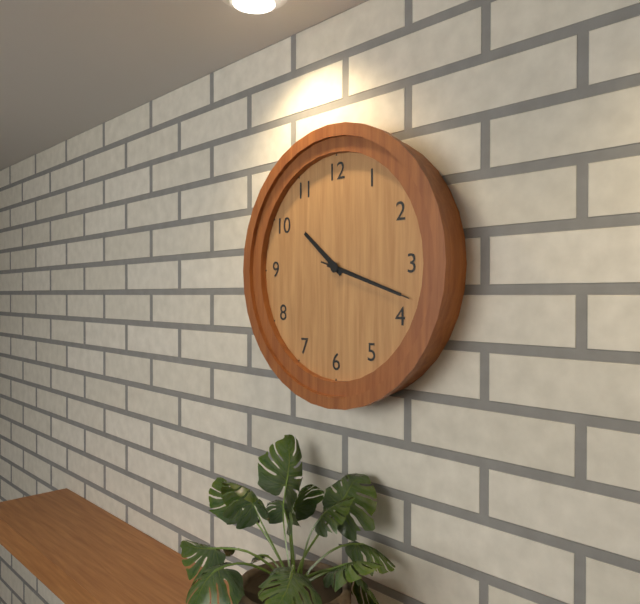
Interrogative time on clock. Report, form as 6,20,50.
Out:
10,18,18
